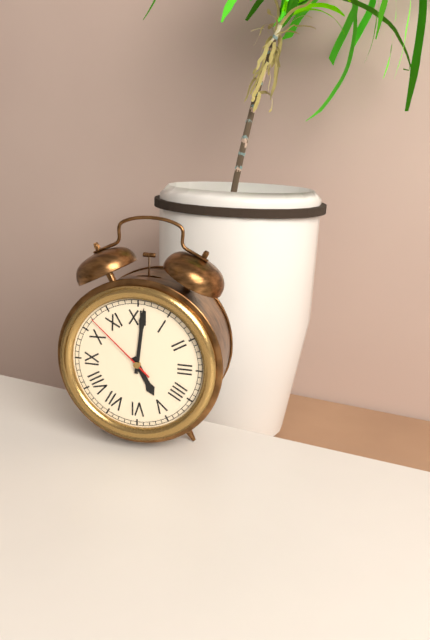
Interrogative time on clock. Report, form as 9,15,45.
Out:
5,01,52
